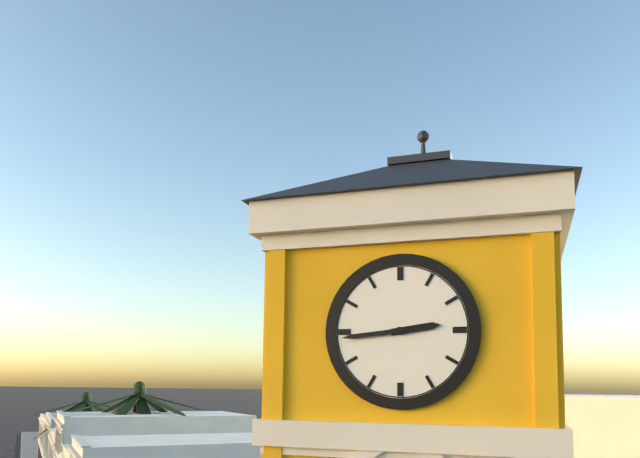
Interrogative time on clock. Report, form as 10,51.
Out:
2,44
